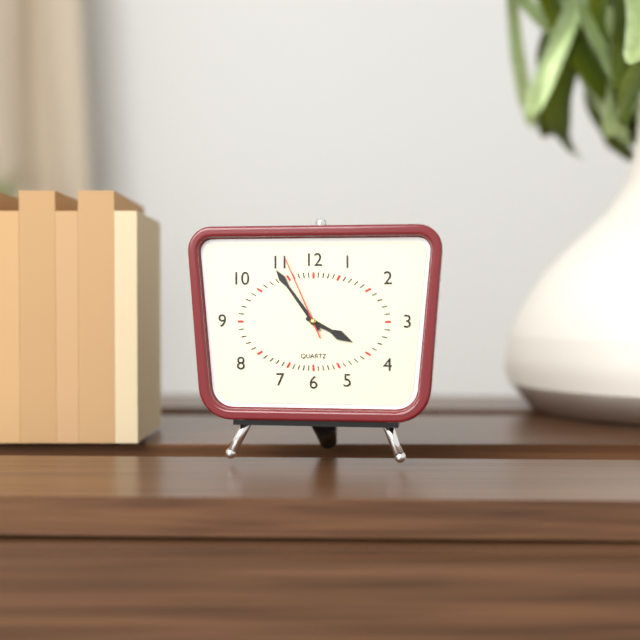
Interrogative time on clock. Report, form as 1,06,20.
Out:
3,54,56
